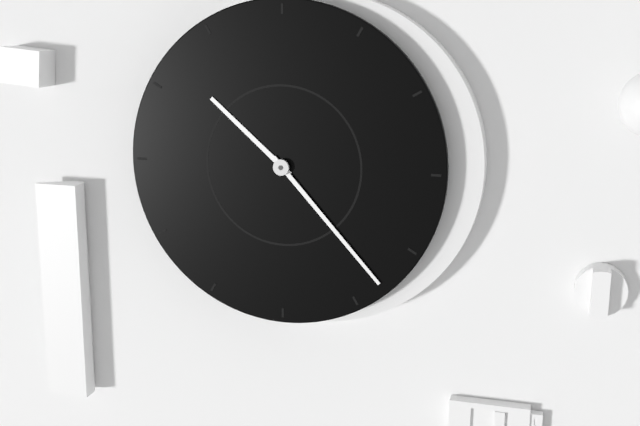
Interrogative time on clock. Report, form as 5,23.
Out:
10,23
